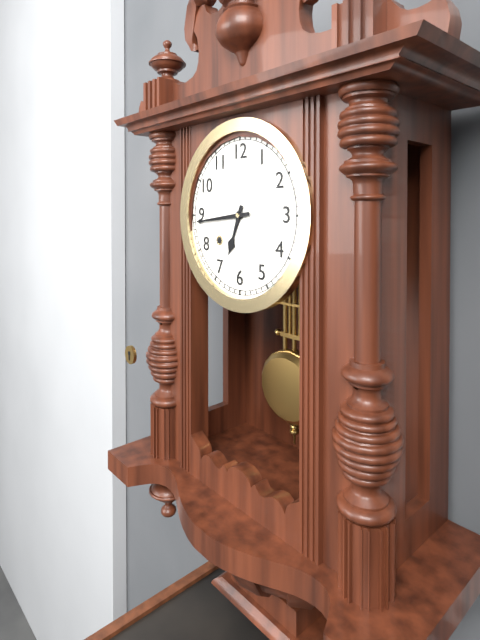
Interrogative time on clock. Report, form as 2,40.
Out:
6,44
